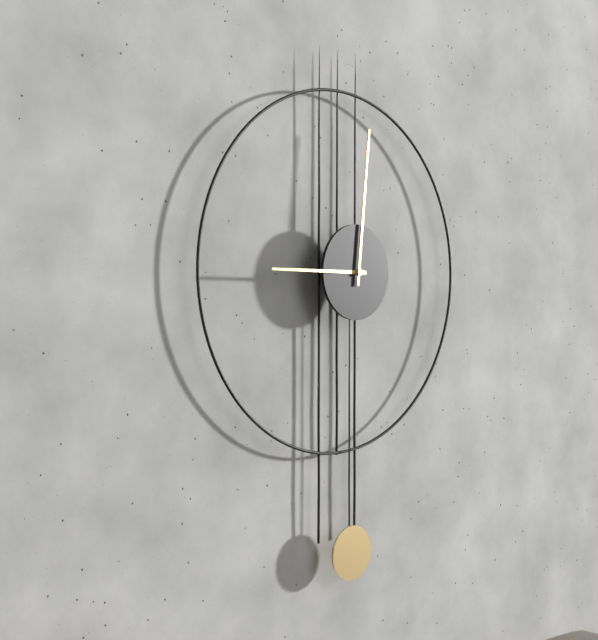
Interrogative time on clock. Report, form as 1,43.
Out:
9,01
